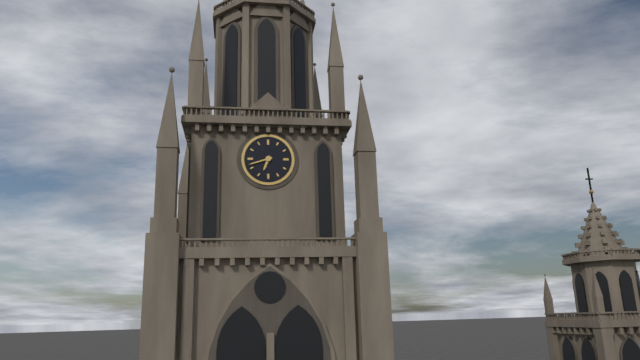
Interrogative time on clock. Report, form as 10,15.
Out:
6,42
